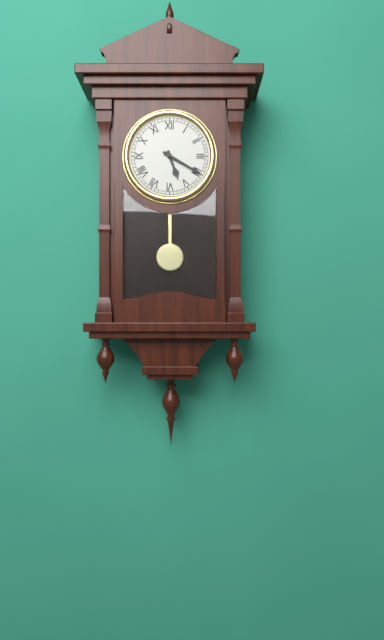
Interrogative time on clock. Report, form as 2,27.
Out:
5,20
